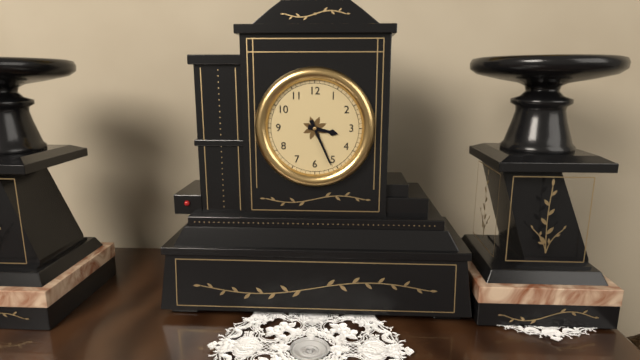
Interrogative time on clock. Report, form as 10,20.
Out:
3,26
